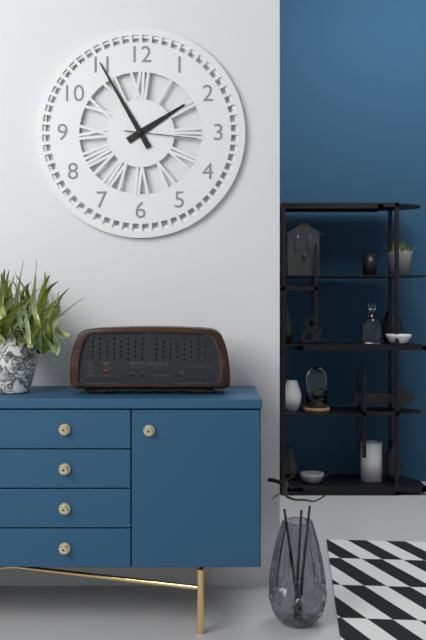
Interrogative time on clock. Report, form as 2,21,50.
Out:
1,55,16
